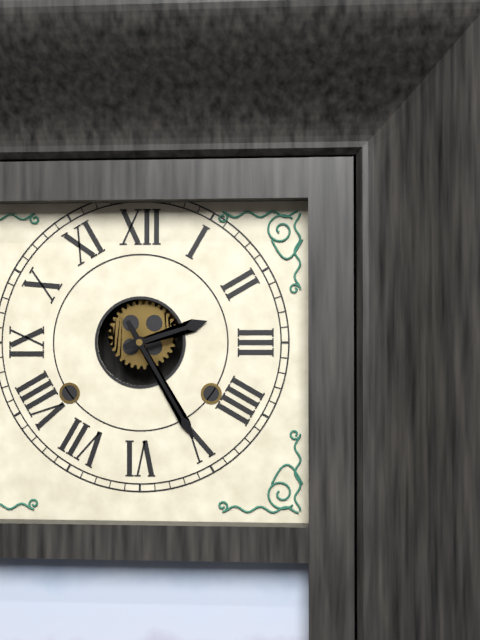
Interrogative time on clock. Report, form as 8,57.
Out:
2,25
